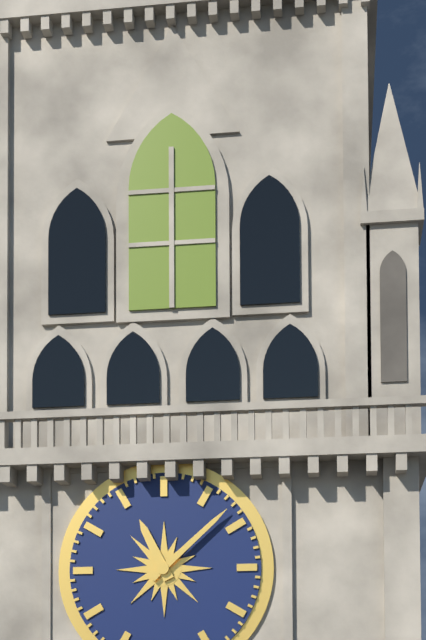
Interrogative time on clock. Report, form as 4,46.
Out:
11,08
